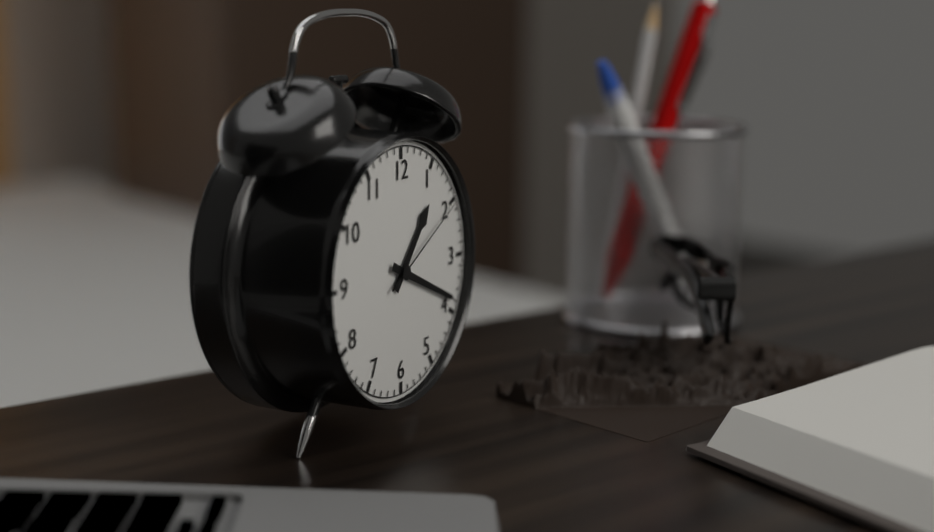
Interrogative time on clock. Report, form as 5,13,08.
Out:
1,19,10
